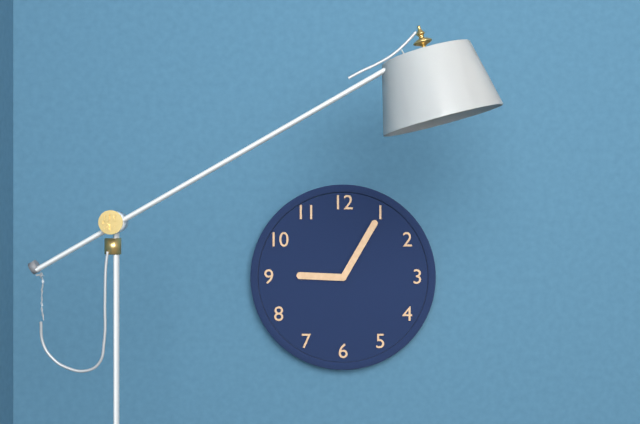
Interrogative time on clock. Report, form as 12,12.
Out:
9,05
